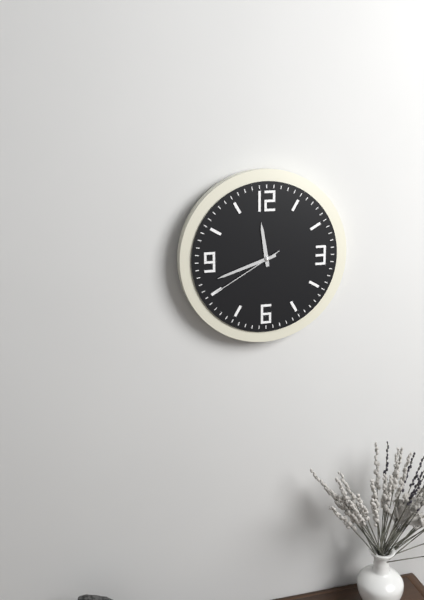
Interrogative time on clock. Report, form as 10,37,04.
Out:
11,42,40
